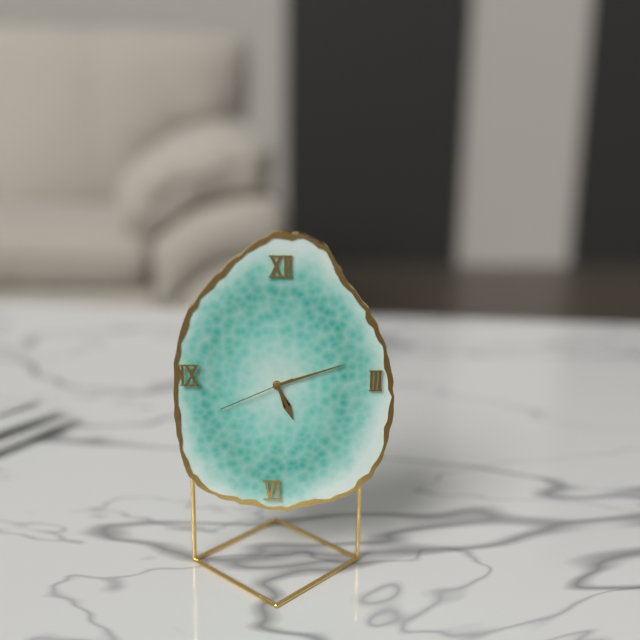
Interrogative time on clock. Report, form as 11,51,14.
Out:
5,12,41
